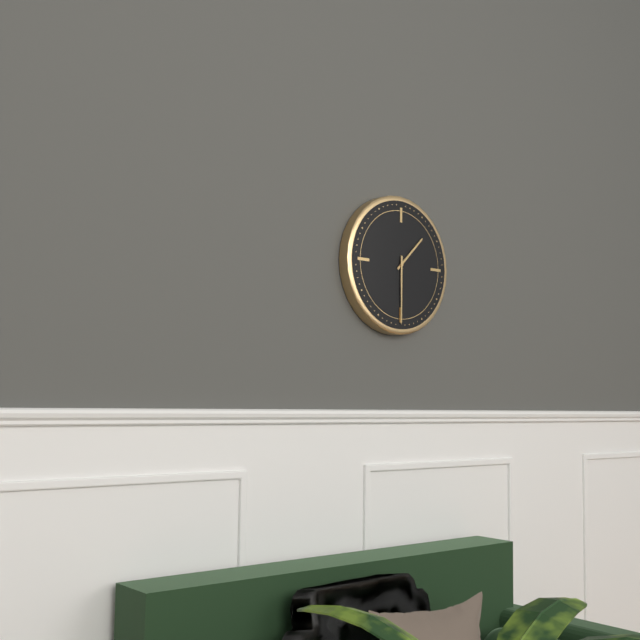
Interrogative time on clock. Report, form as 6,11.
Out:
1,30
